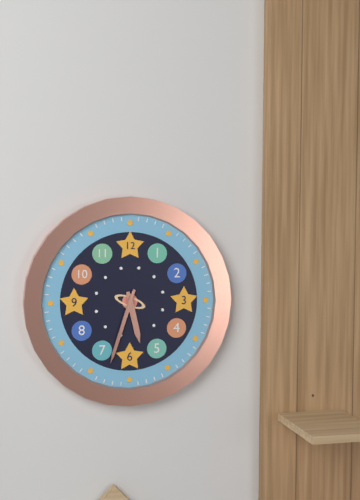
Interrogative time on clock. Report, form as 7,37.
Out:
5,33
